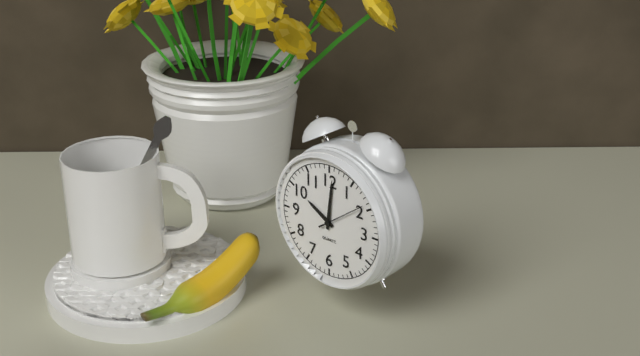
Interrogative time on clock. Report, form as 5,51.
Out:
10,01
